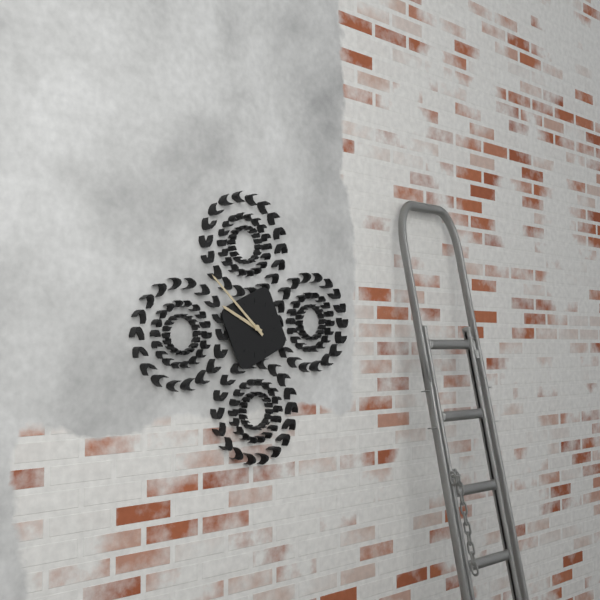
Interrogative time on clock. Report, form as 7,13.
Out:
9,52
